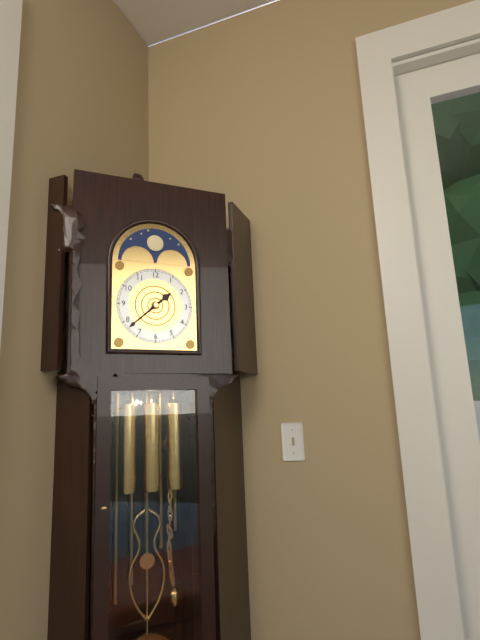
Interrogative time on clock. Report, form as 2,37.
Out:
1,38
